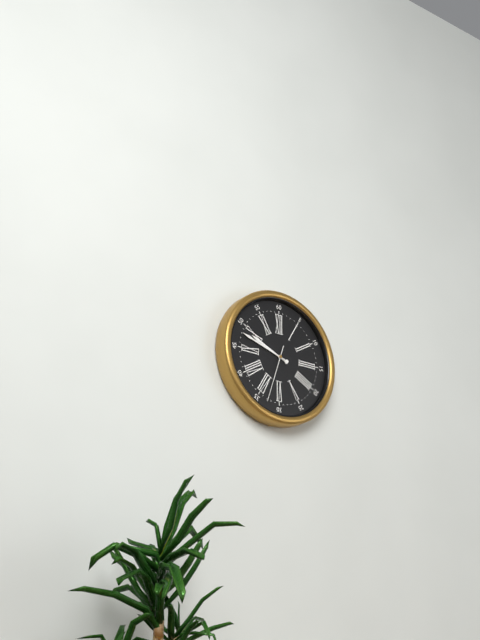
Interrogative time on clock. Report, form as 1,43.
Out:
9,48
